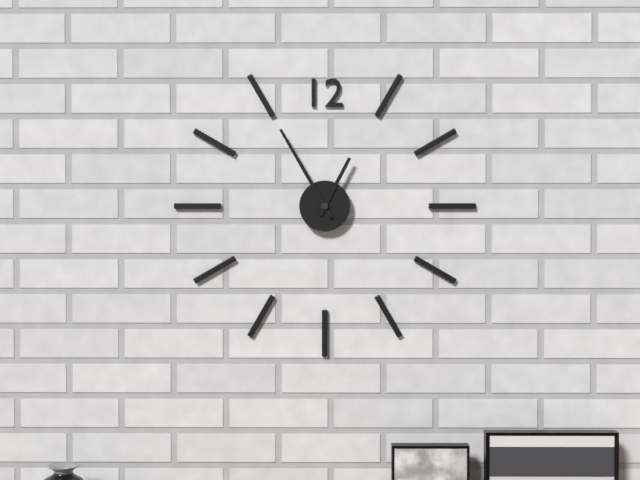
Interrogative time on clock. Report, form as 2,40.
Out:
12,55
